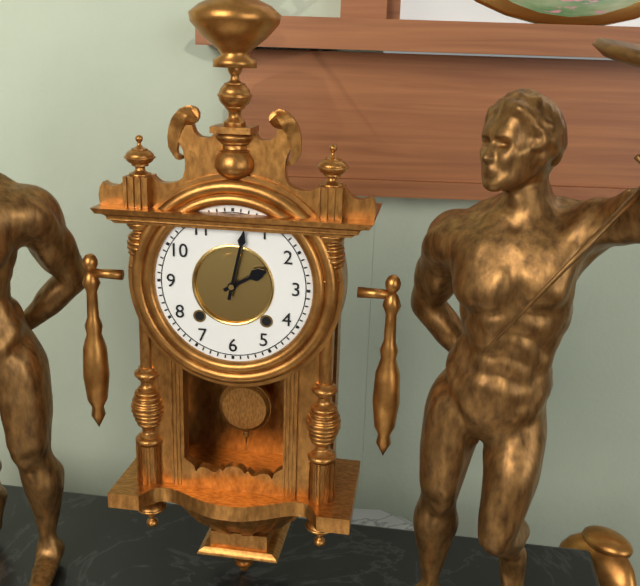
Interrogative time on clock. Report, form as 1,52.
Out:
2,02
